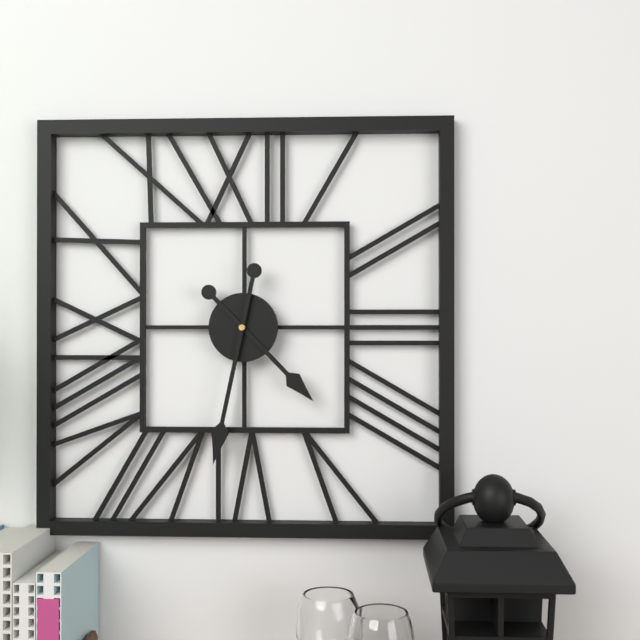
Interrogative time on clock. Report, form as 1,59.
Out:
4,32
